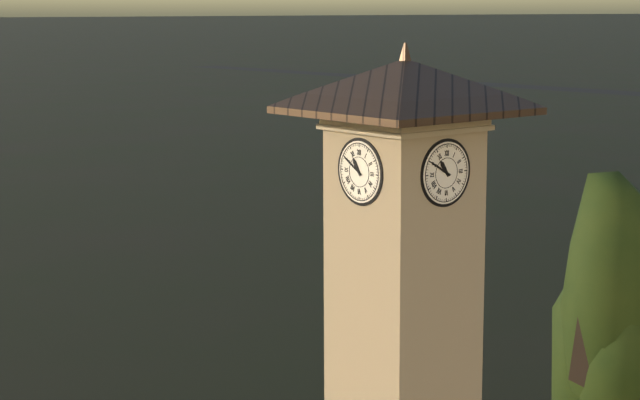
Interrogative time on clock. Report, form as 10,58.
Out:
10,50
